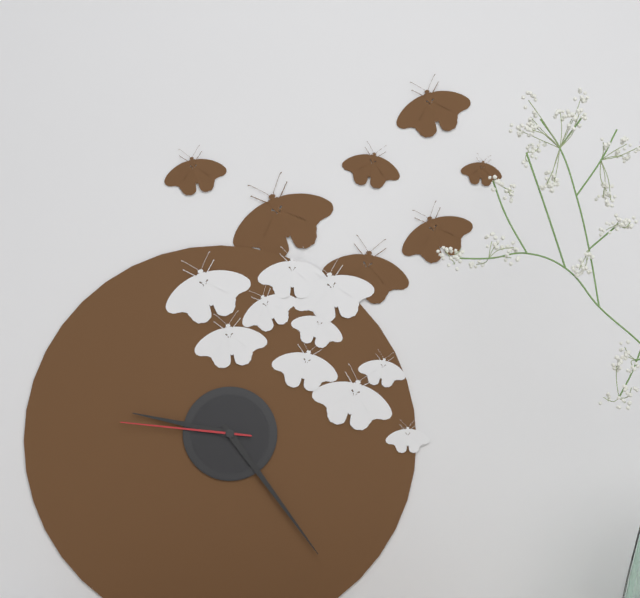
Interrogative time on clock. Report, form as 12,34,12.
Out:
9,24,46
